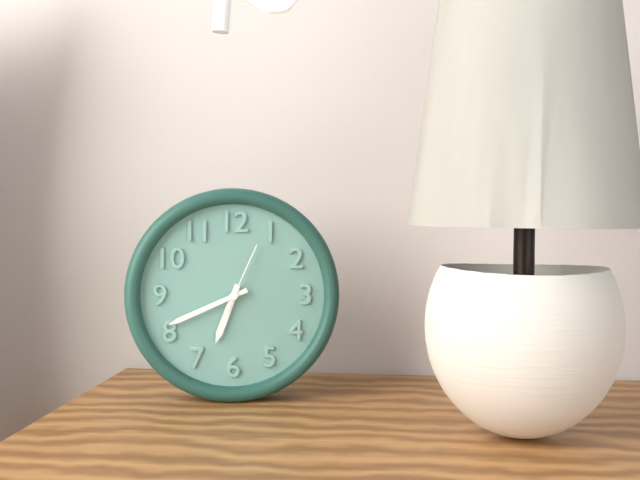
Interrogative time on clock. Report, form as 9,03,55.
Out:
6,41,04
